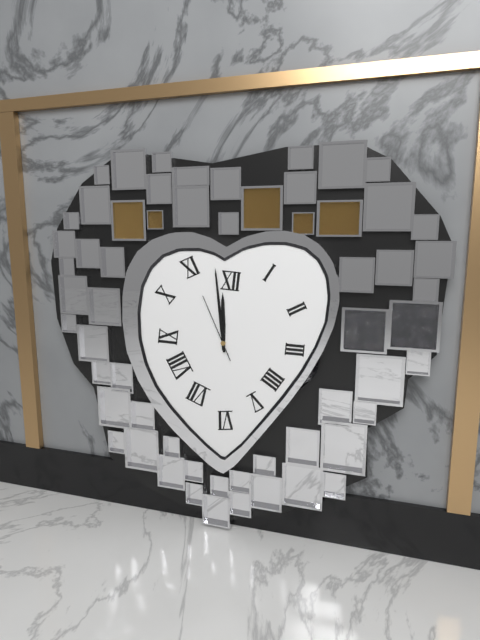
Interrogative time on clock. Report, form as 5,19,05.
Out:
11,59,56
